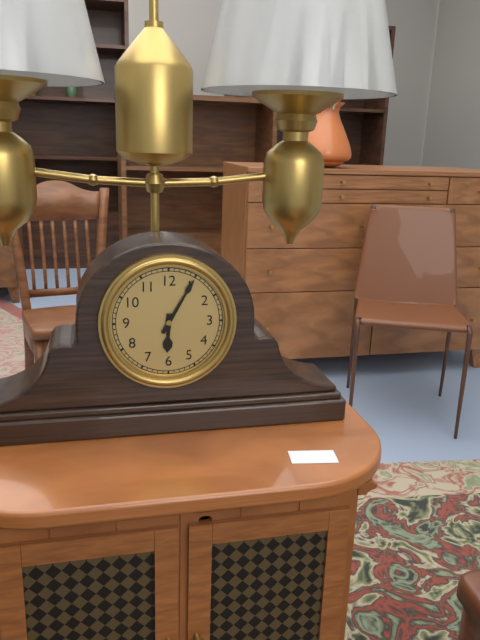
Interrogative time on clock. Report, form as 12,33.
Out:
6,05
